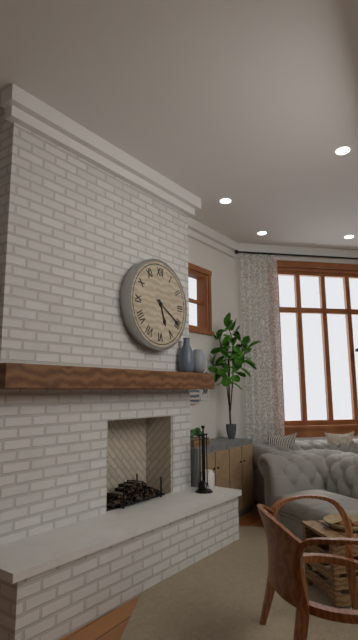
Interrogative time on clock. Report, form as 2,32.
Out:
5,20
